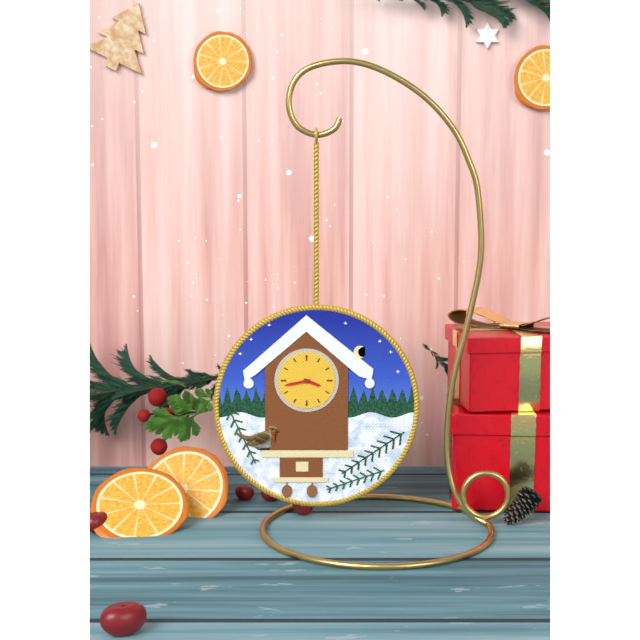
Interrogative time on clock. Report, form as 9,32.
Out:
3,43
